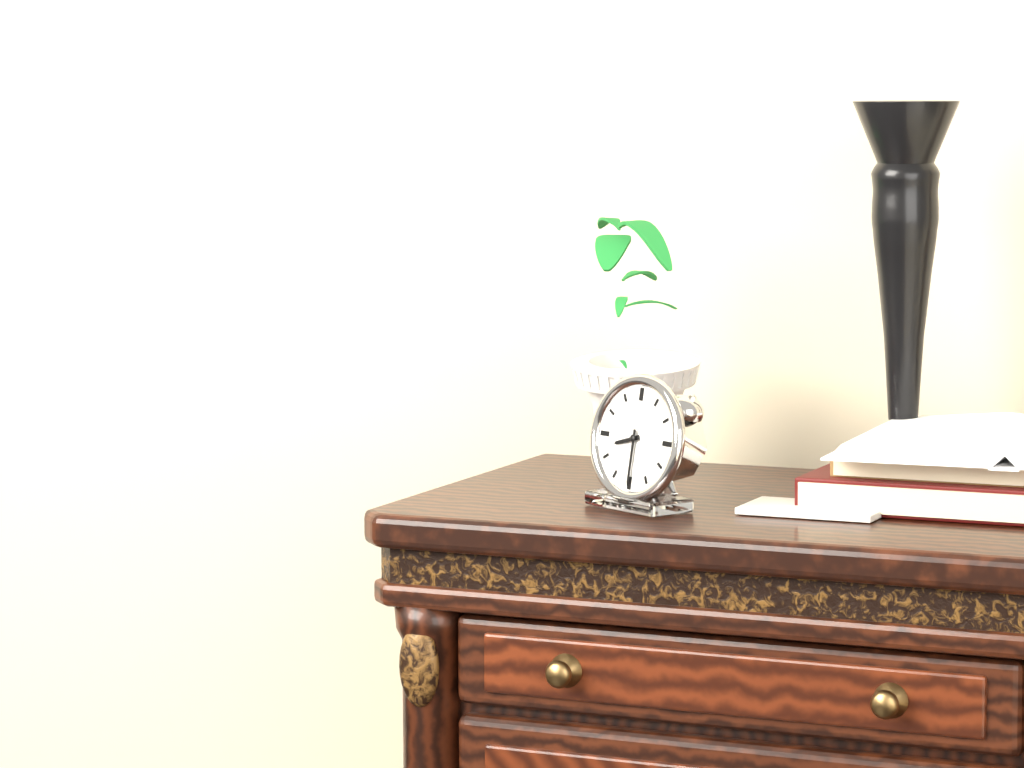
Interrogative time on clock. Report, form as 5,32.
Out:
8,30
